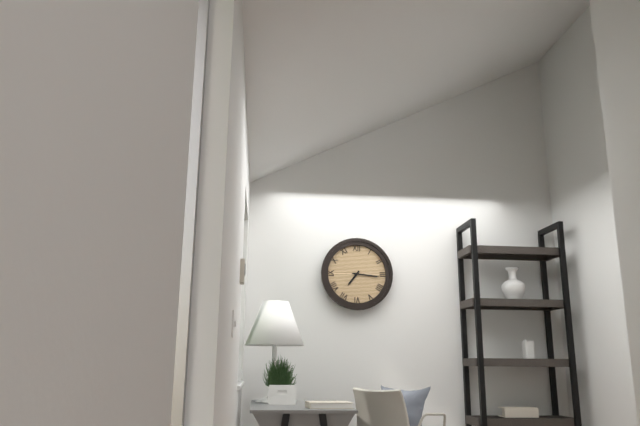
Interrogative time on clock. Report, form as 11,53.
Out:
7,16
